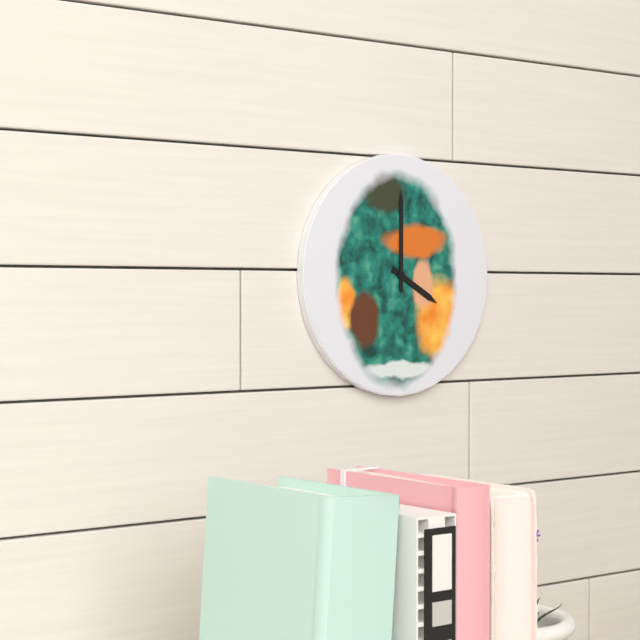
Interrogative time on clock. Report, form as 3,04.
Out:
4,00
